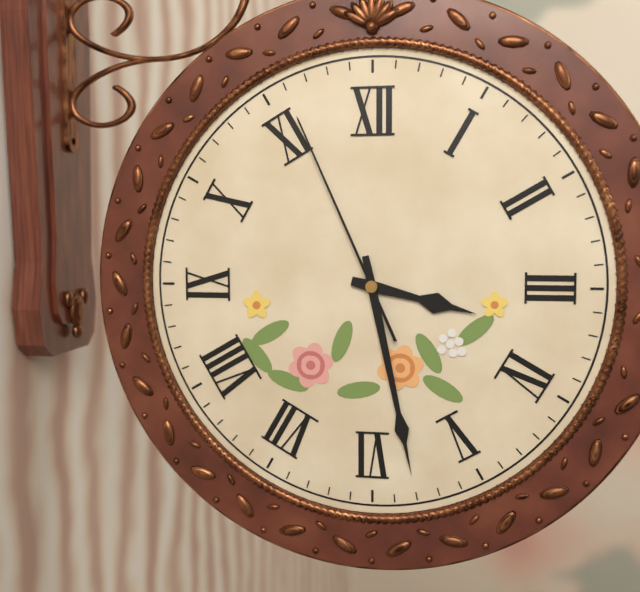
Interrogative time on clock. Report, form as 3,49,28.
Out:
3,28,56
